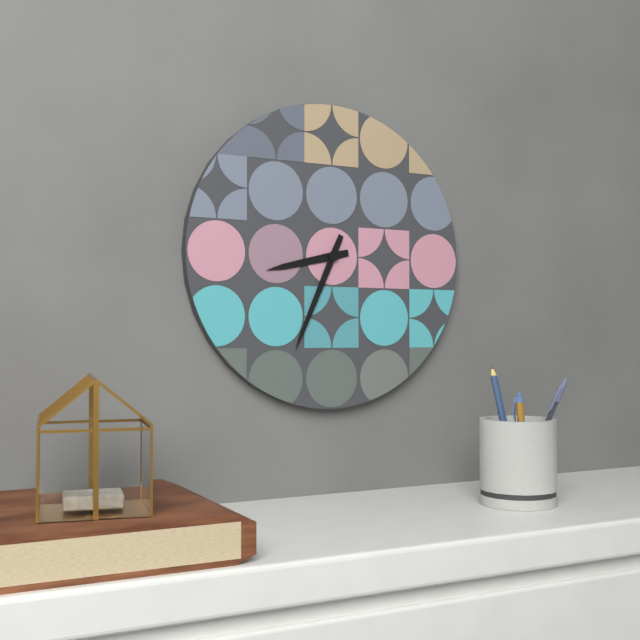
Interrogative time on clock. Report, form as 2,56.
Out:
8,34
